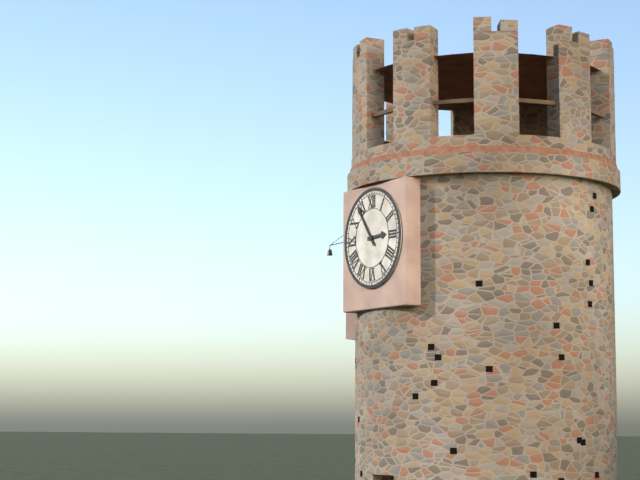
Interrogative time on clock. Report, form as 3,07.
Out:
2,54
